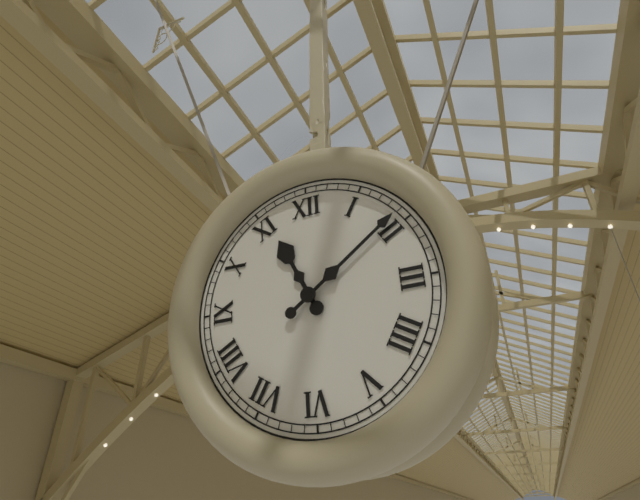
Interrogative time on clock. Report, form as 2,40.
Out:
11,09
